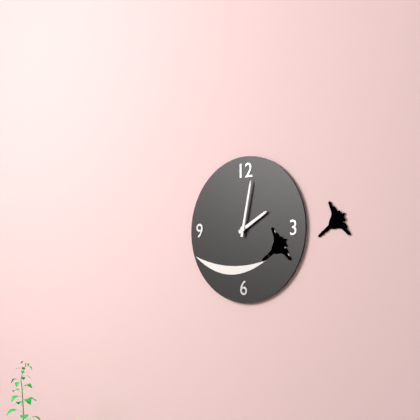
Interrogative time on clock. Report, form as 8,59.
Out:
2,02
